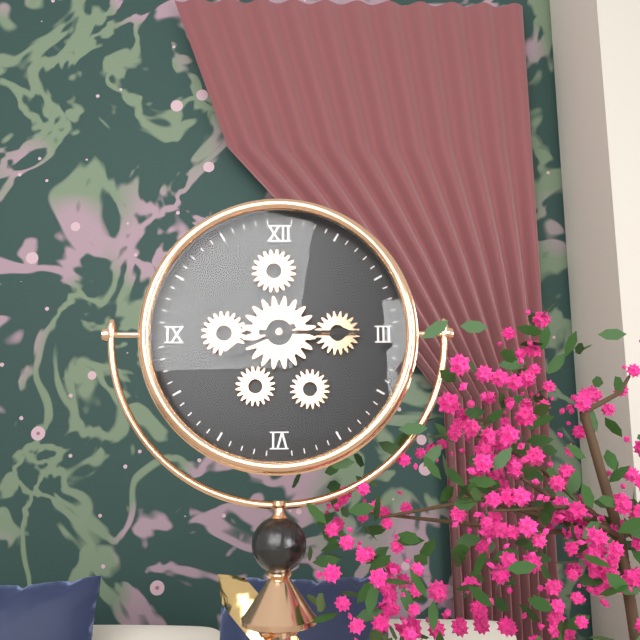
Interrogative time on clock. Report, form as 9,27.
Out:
8,15
